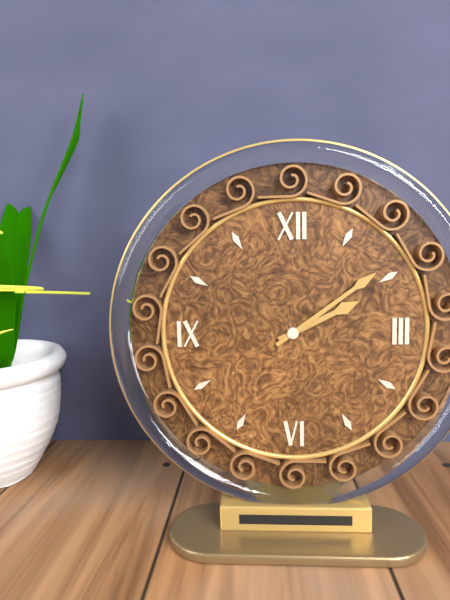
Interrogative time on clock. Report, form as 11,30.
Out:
2,09
